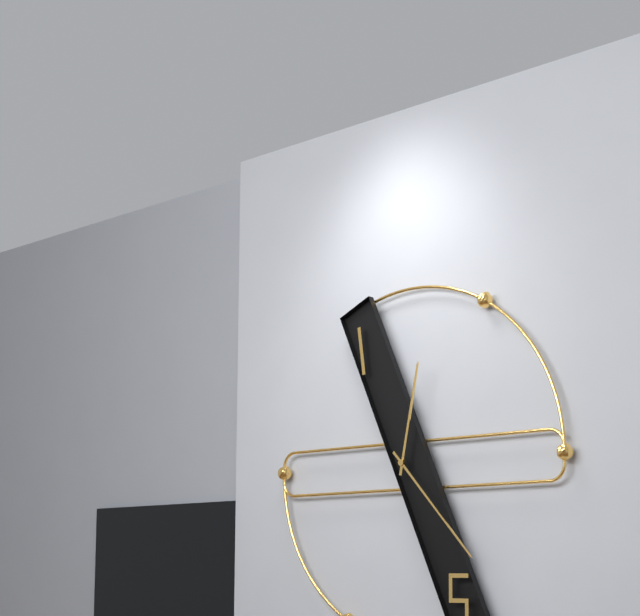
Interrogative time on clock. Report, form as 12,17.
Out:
12,23
